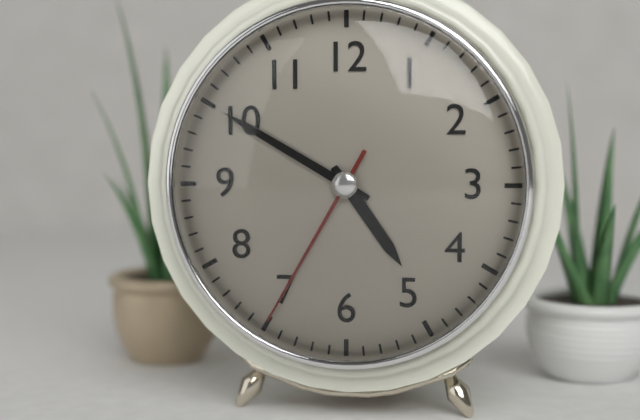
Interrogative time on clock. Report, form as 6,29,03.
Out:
4,50,35
